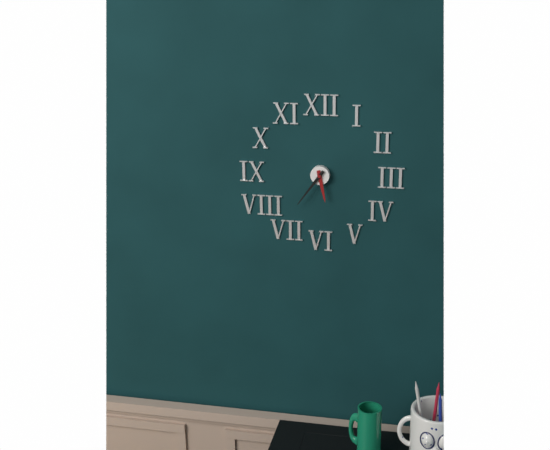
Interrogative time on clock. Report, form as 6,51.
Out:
5,36
